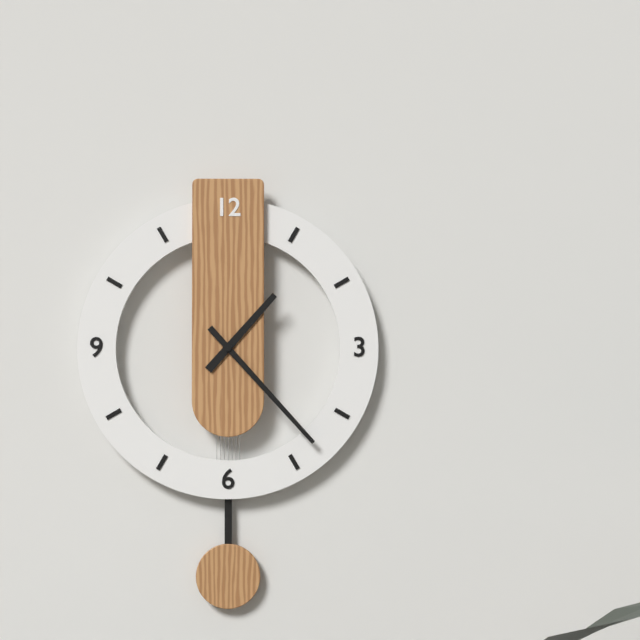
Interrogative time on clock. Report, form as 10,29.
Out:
1,23
